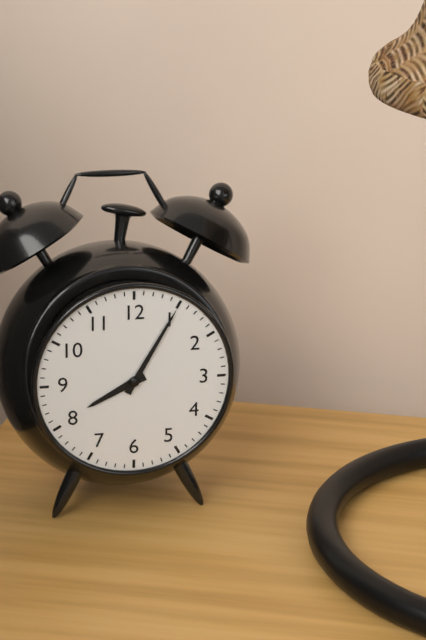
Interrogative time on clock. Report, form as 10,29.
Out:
8,05
